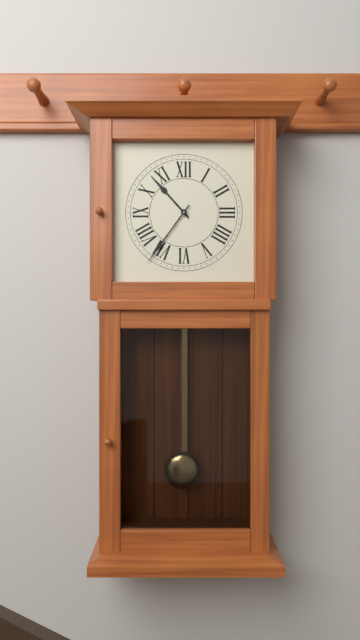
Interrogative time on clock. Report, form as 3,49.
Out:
10,36
